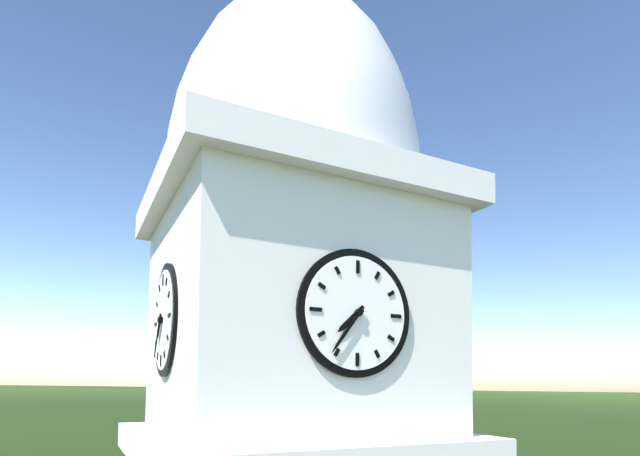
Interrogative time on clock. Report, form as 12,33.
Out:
7,36
